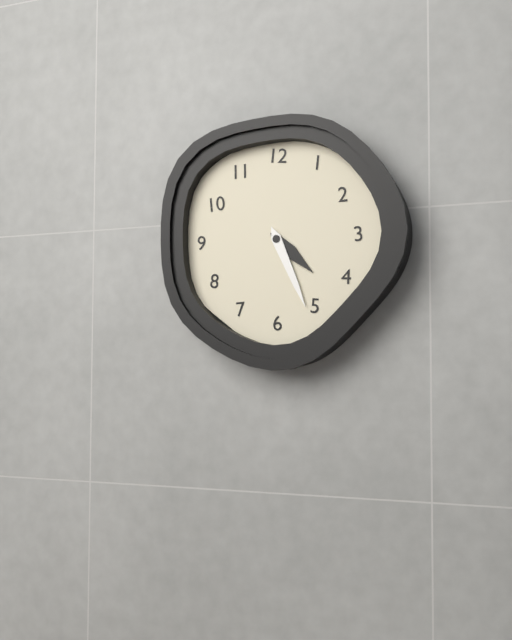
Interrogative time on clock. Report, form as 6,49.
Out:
4,26
